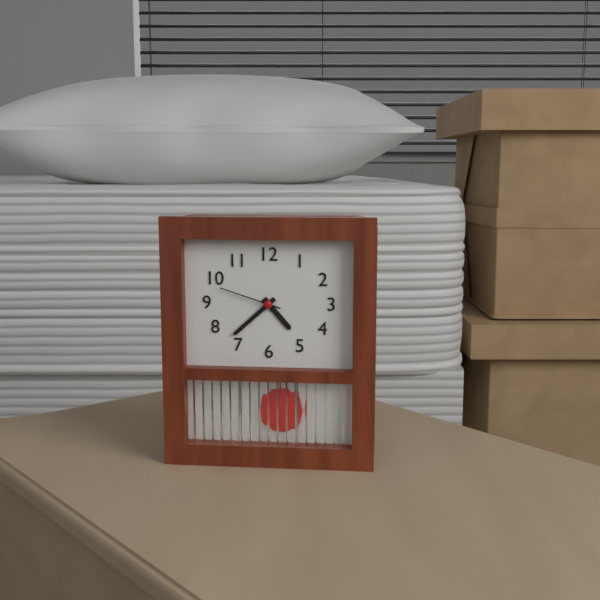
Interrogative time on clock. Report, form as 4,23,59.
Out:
4,38,48
